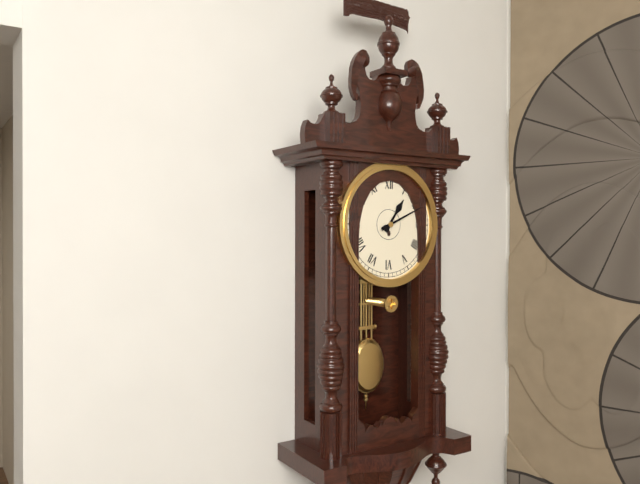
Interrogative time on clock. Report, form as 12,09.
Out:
1,11
